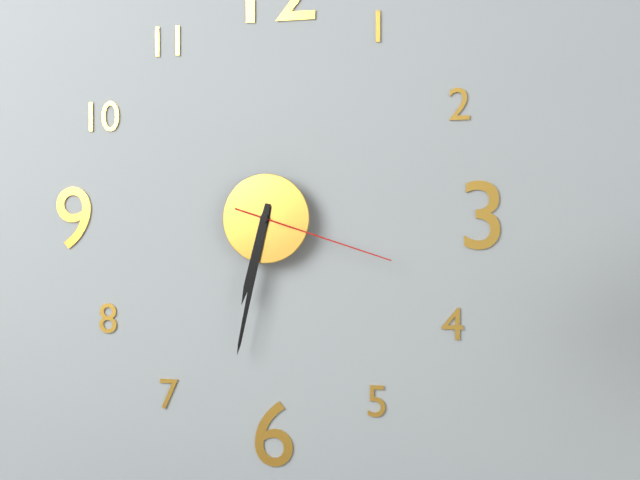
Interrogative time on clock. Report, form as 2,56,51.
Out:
6,32,18
